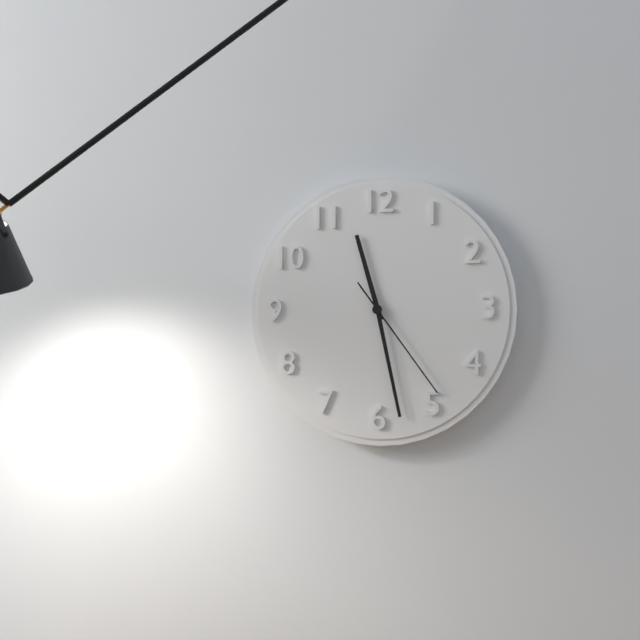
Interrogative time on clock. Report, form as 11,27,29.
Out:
11,28,24
